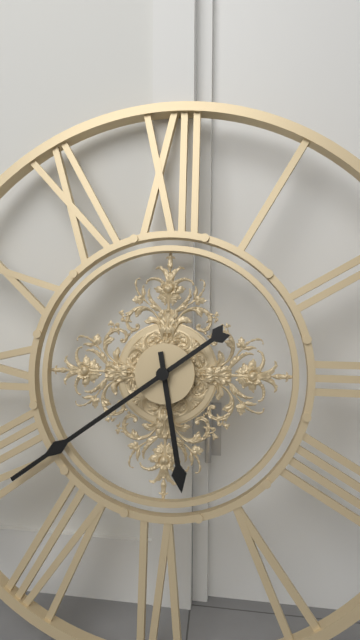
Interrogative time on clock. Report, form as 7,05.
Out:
5,39
